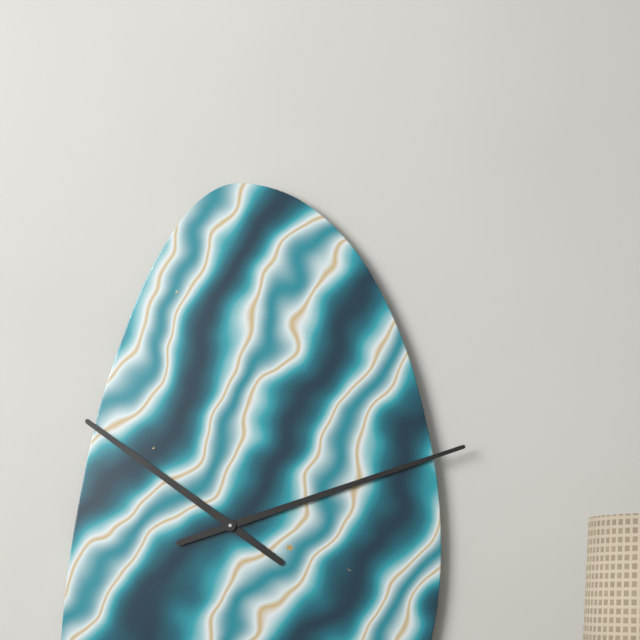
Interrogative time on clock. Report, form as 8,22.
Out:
10,12
